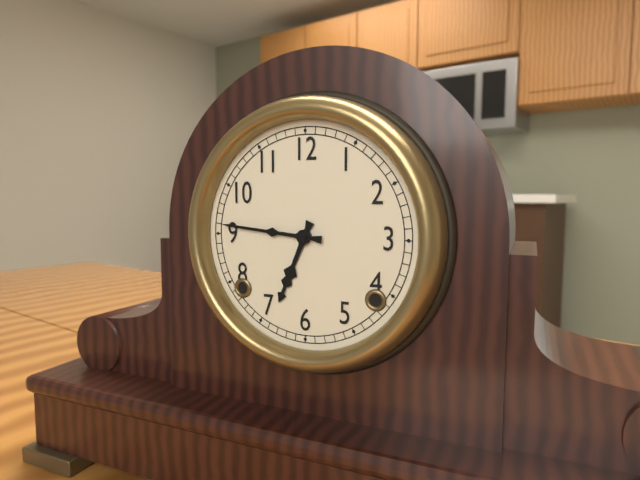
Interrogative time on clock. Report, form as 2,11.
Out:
6,46
